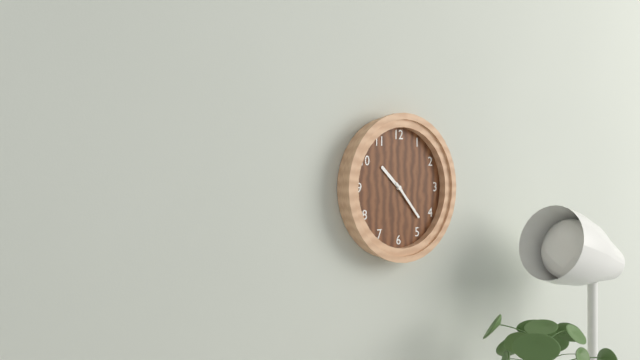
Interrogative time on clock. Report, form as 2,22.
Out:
10,23
